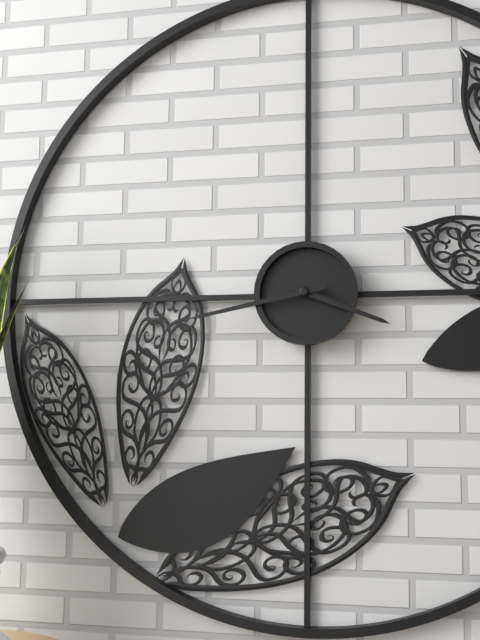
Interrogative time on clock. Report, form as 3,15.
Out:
3,43
